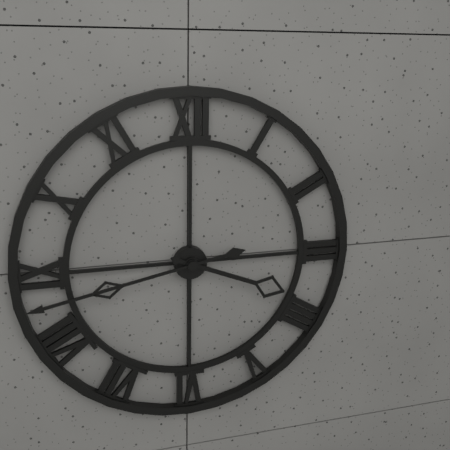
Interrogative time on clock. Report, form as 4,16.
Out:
3,43
